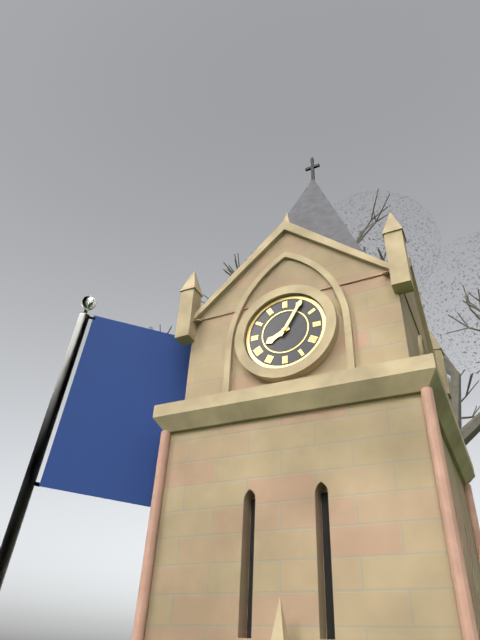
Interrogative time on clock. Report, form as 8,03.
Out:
8,05
